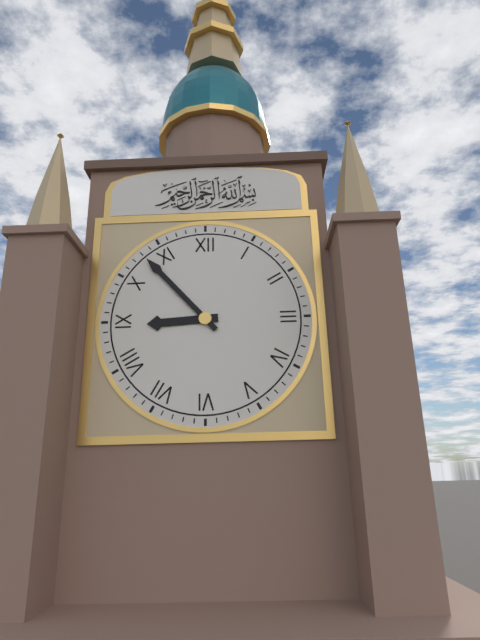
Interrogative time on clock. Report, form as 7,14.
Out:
8,53
